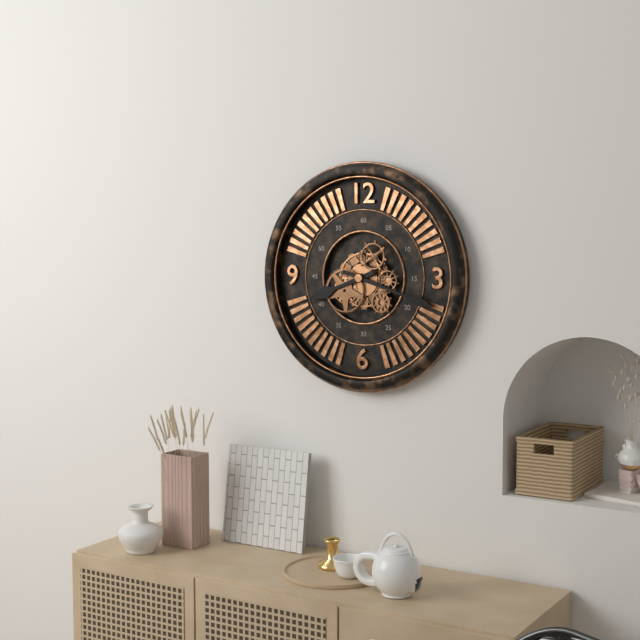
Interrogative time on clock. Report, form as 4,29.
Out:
8,18
